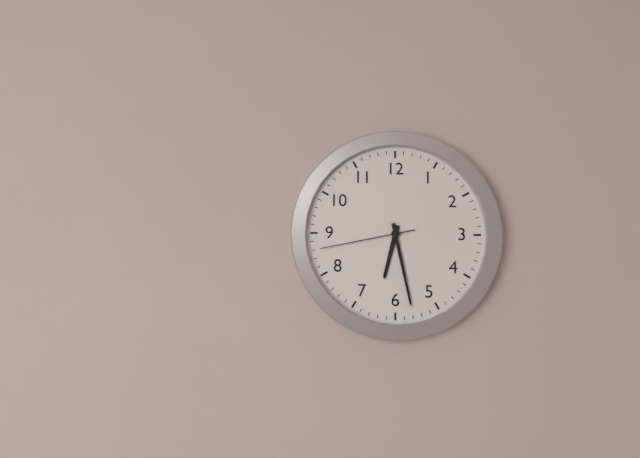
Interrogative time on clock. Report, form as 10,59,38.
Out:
6,28,43
